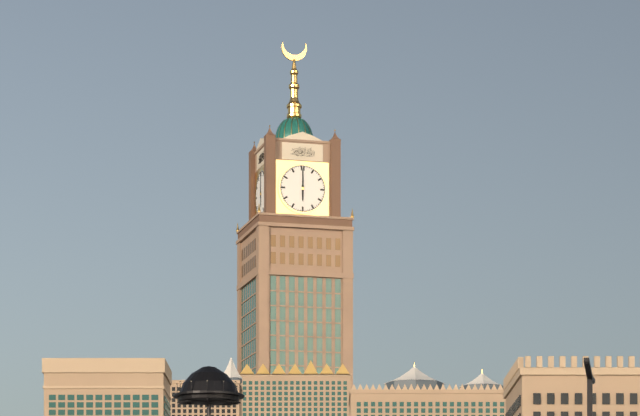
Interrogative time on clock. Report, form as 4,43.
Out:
6,00
